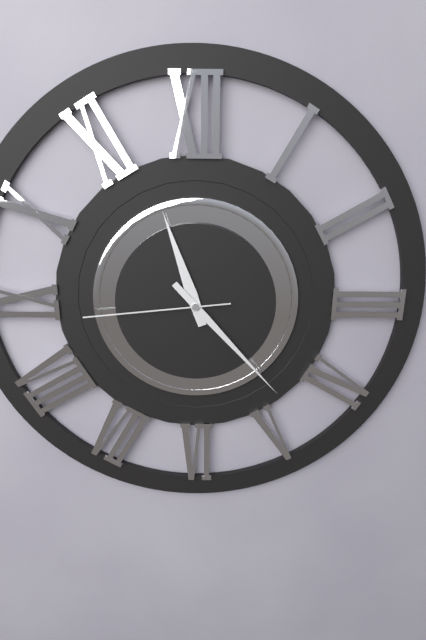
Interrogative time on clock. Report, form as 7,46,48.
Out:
11,23,44
